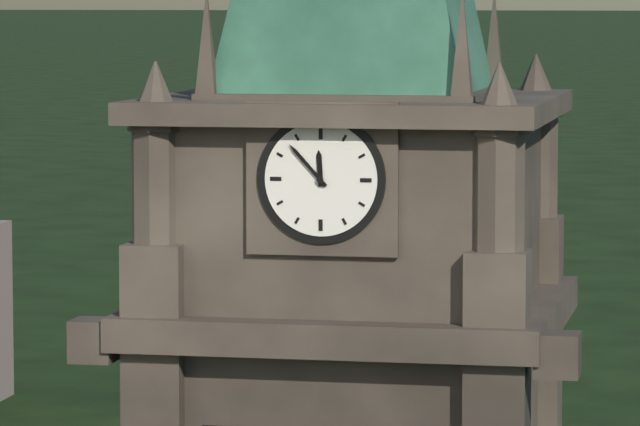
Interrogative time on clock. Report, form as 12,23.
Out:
11,53
